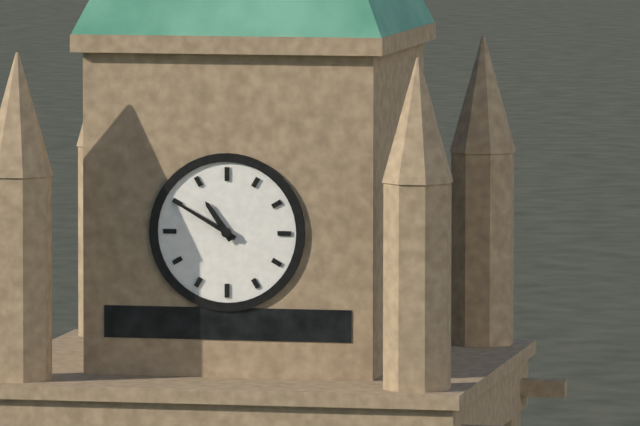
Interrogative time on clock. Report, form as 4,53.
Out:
10,50
